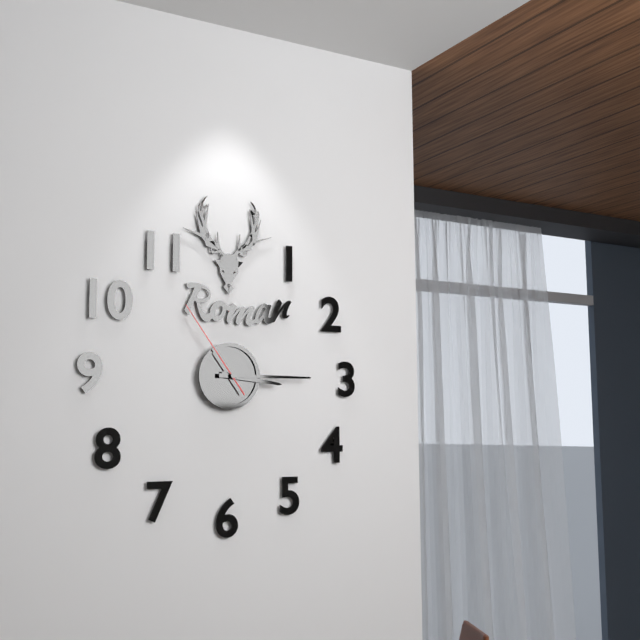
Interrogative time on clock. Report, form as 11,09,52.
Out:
3,15,54
